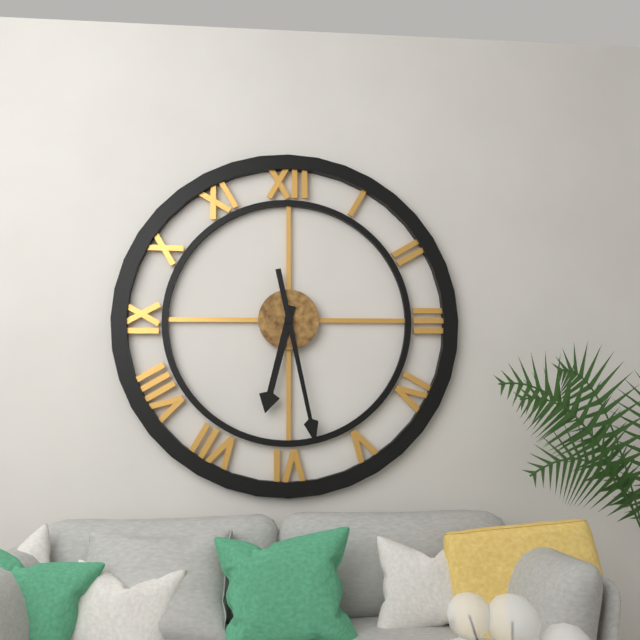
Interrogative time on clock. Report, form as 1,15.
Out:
6,28
